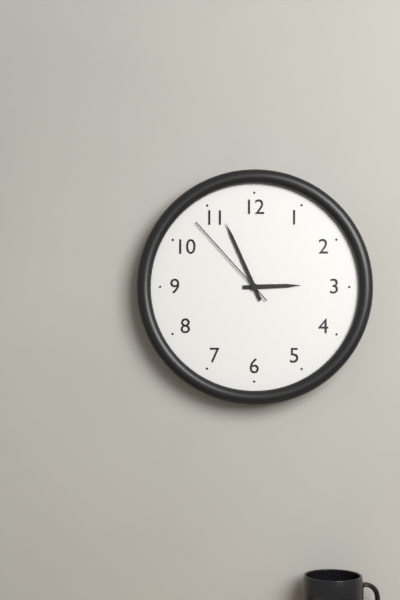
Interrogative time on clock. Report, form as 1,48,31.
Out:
2,56,53
